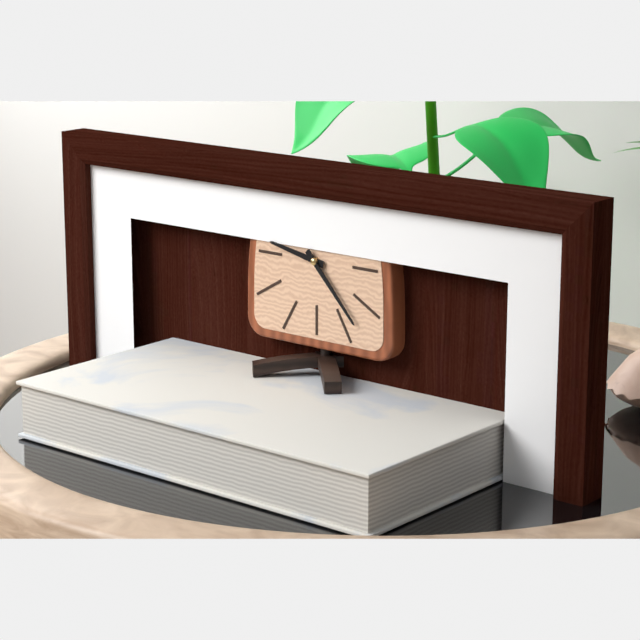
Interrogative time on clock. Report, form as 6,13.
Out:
9,23
